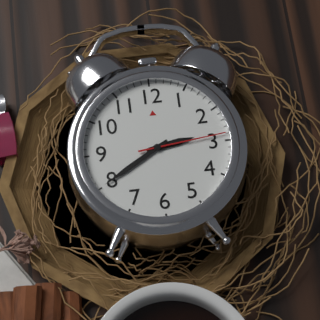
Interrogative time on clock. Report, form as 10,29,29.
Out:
2,40,14
